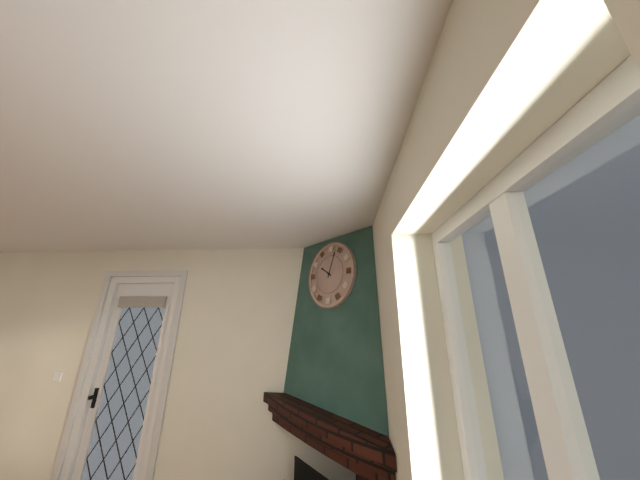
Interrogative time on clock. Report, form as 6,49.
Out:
10,03
